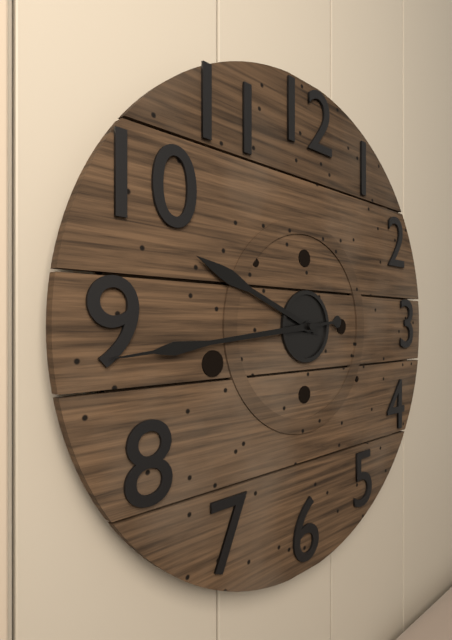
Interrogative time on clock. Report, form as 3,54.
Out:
9,44
